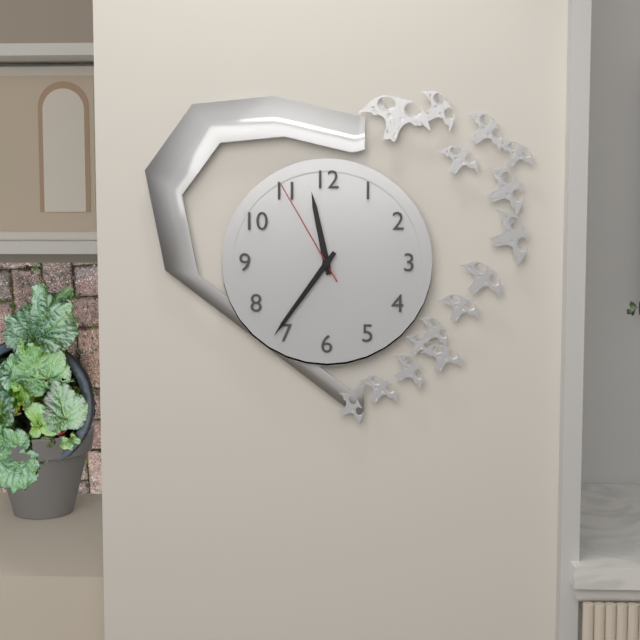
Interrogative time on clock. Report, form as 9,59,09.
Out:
11,36,55
